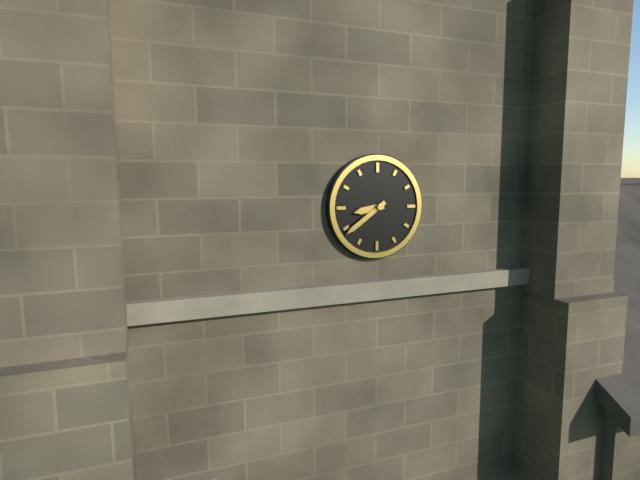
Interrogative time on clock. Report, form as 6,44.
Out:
8,39
